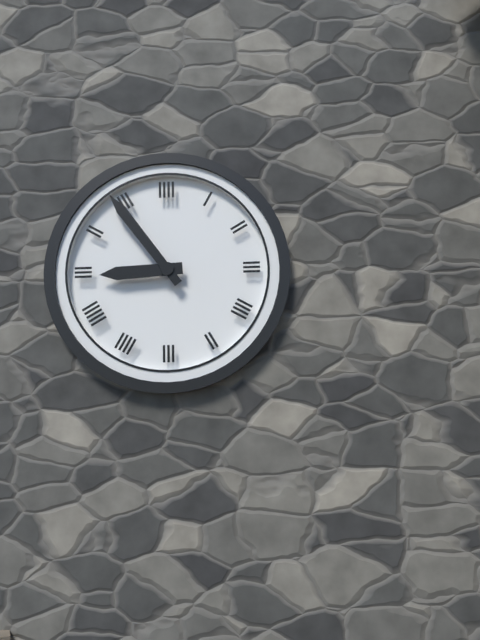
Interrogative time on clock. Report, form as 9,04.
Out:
8,54
